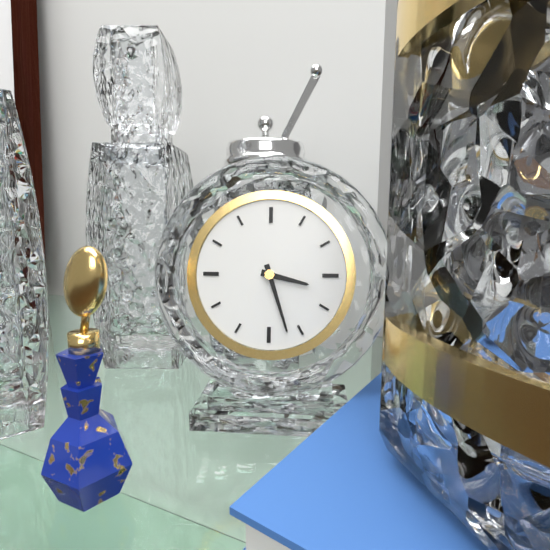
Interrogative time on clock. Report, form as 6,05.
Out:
3,27
